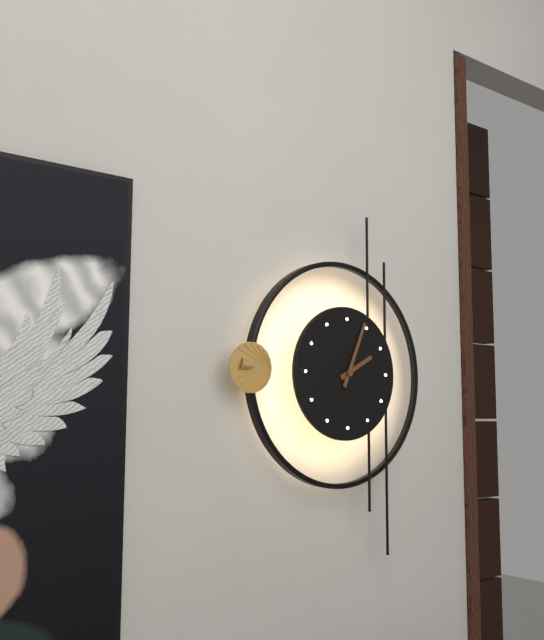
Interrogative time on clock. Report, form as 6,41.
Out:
2,04
